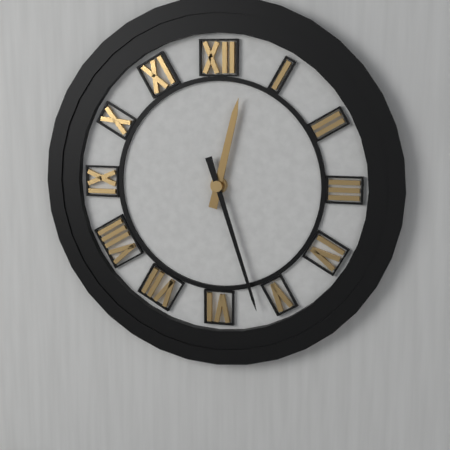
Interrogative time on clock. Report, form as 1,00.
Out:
12,27
